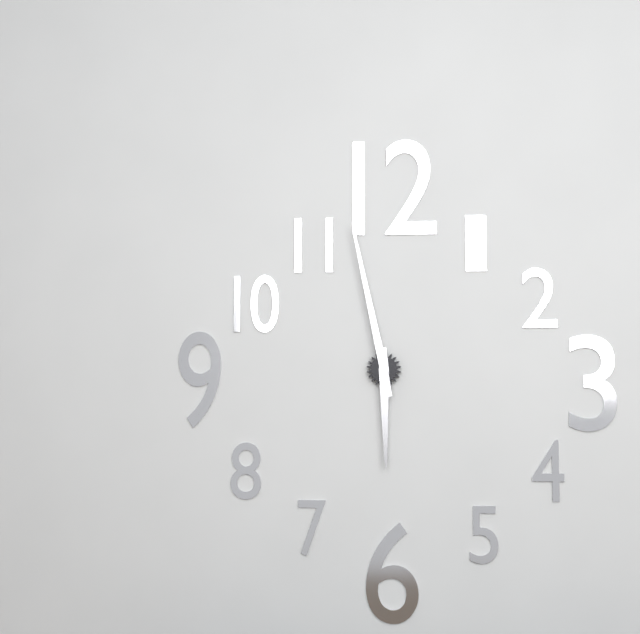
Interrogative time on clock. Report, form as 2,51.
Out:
5,58
